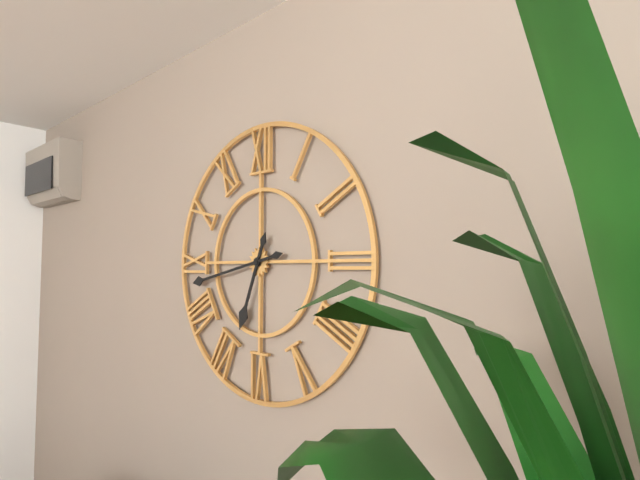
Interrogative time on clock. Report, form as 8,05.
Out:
6,43
